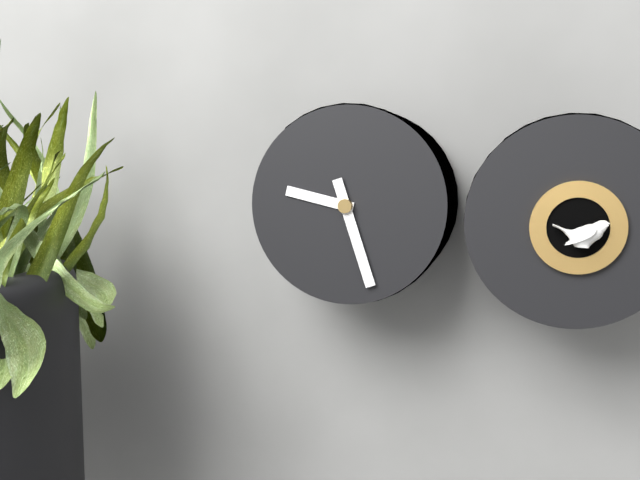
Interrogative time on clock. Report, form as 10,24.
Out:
9,27
